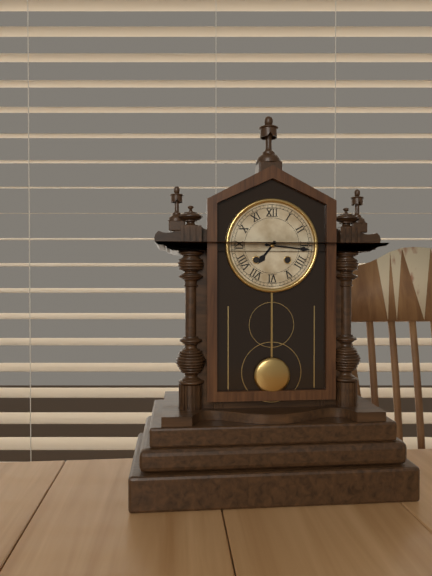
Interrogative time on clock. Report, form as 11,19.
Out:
7,16
